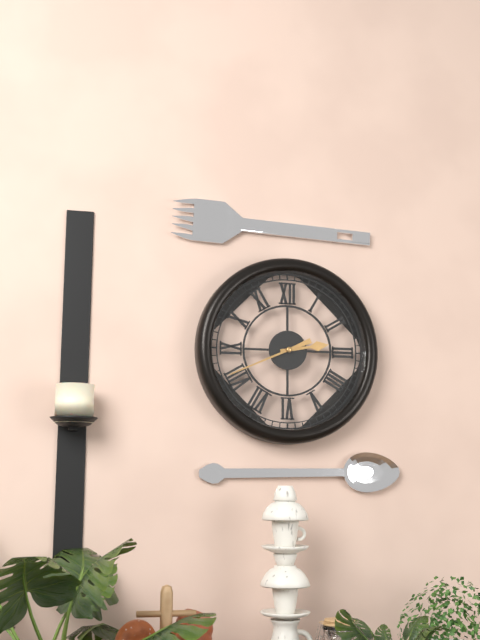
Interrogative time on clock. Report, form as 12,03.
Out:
2,41
